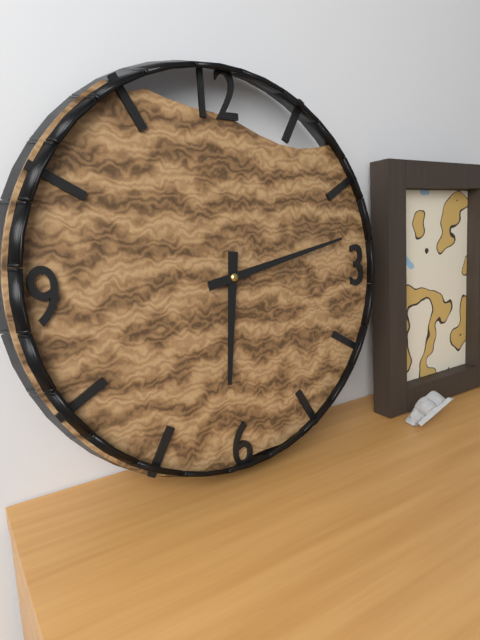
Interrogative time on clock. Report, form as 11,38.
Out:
6,13
